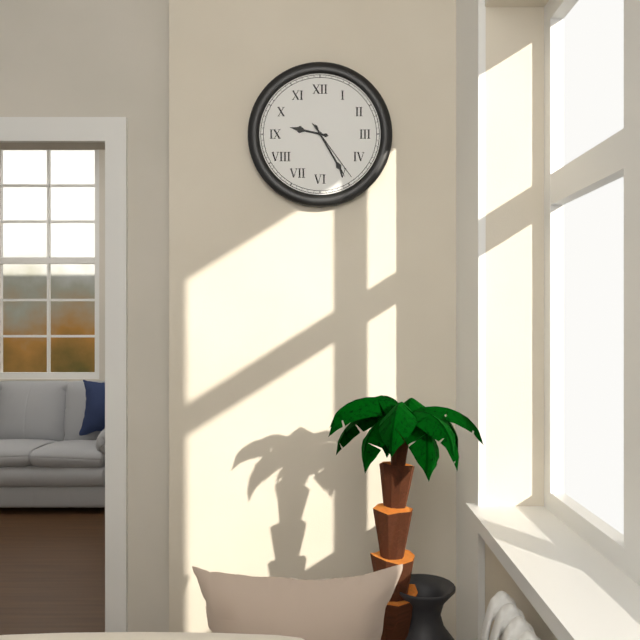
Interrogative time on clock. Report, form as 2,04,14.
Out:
9,25,24
